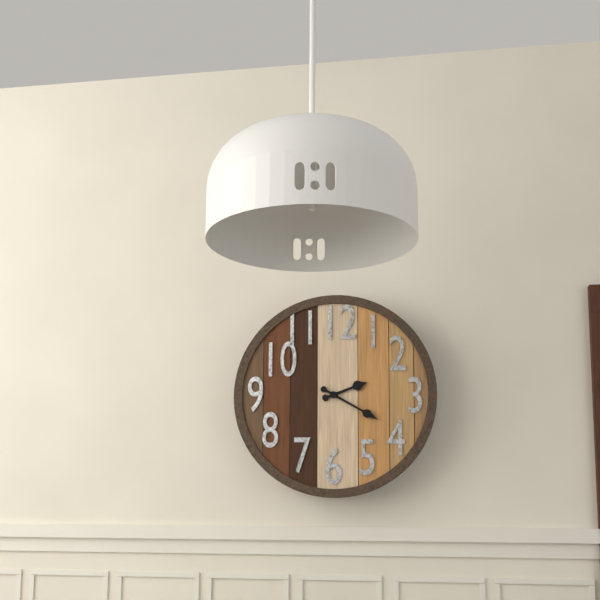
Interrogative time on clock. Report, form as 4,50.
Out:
2,20
